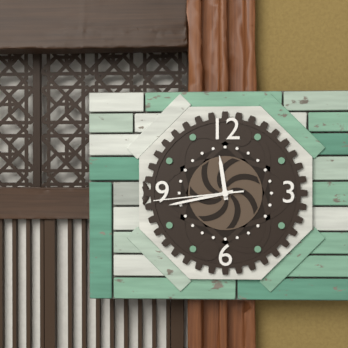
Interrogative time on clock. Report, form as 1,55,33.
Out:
11,43,44
